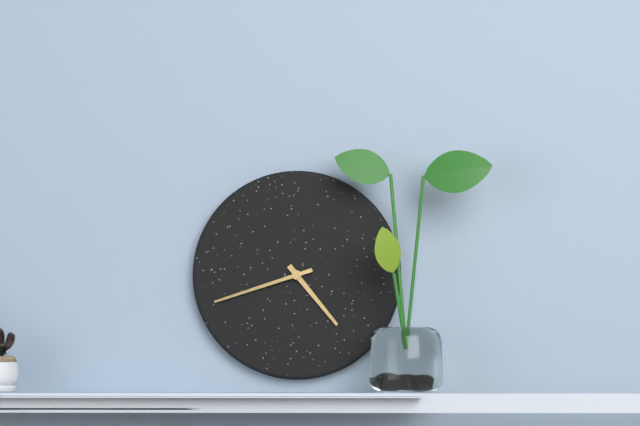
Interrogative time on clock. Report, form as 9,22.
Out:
4,42
